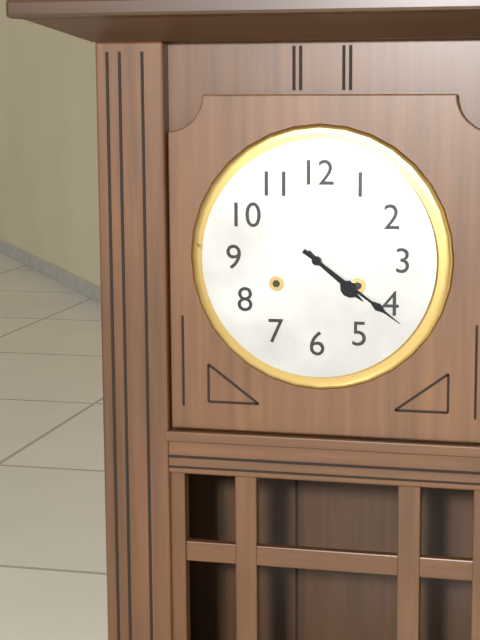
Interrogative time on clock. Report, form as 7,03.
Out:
4,21
